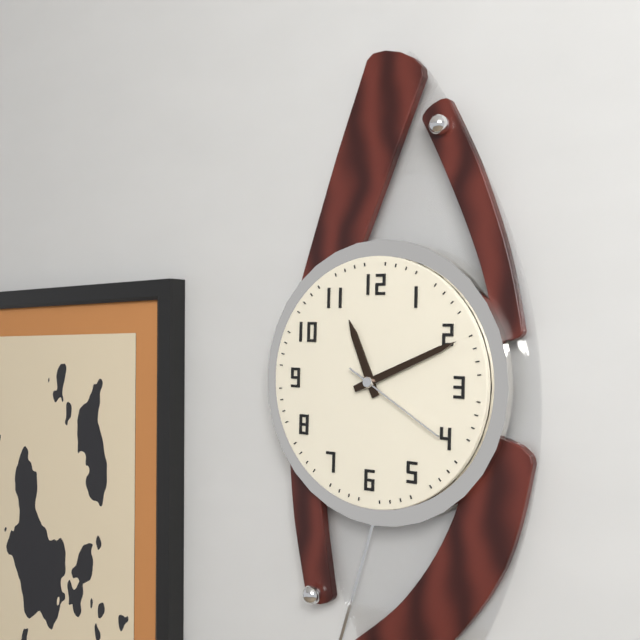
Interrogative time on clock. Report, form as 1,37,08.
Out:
11,11,20
